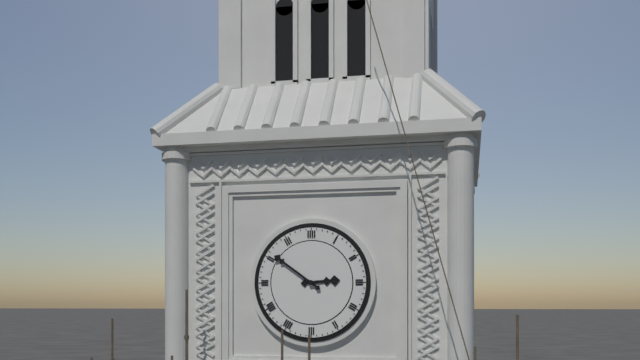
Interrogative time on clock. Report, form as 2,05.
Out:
2,51
